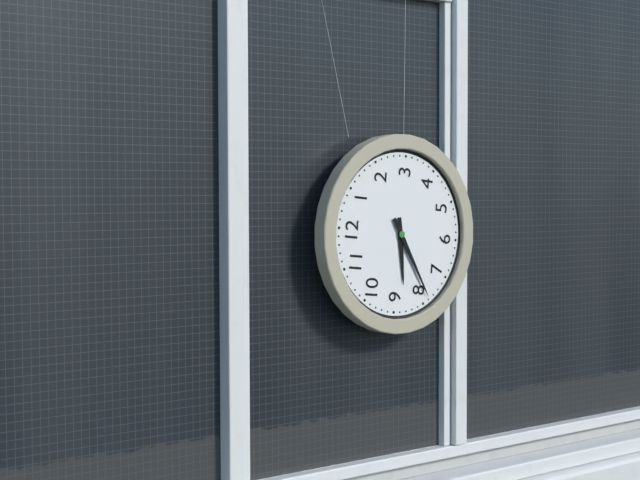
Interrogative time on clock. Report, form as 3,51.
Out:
8,39
